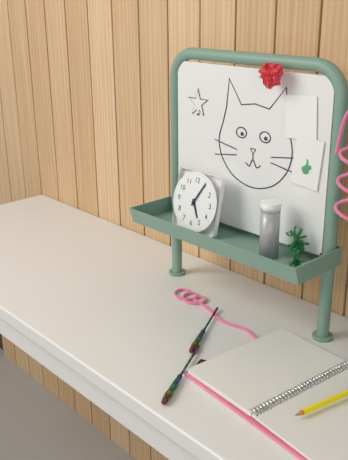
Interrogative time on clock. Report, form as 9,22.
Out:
5,05
